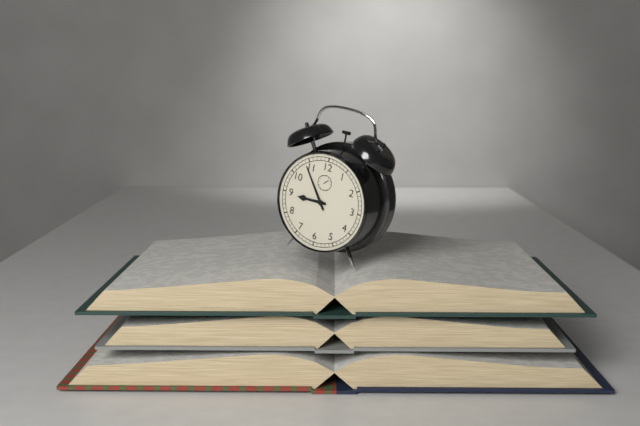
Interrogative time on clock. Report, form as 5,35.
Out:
8,54
